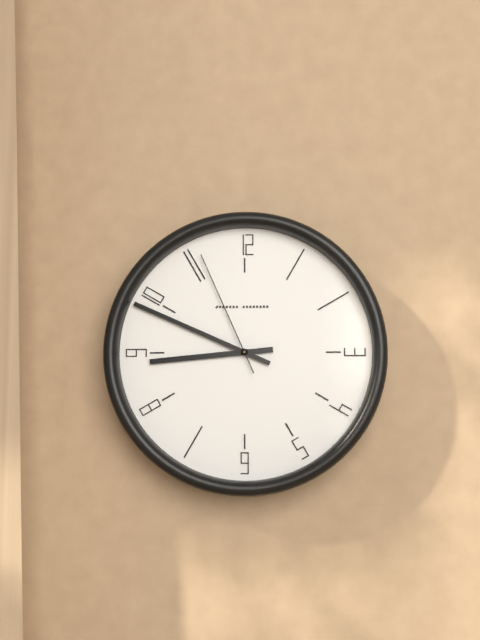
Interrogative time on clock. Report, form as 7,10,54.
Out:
8,49,56
